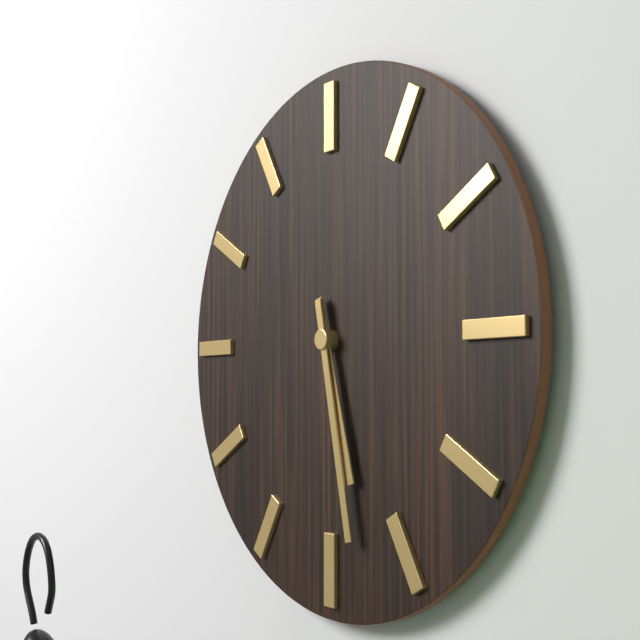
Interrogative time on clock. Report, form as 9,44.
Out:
5,28
